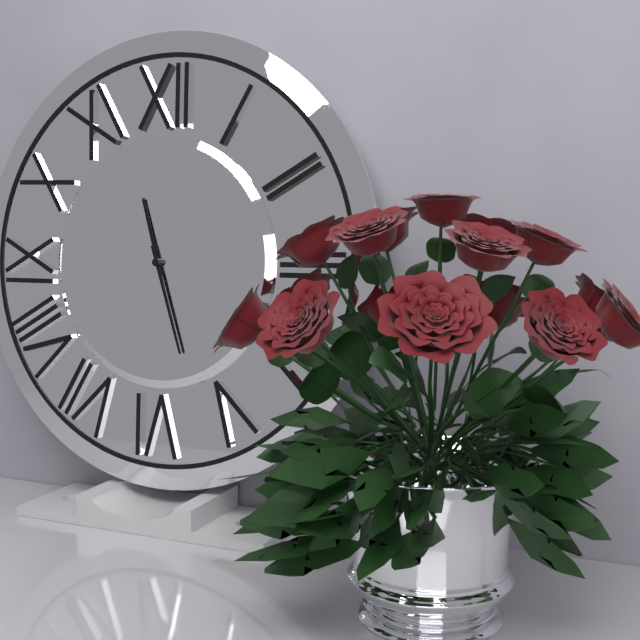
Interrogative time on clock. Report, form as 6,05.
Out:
11,27
